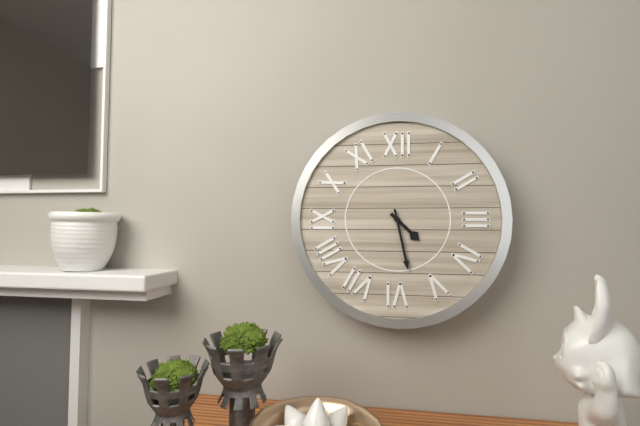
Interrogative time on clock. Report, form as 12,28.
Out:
4,28
